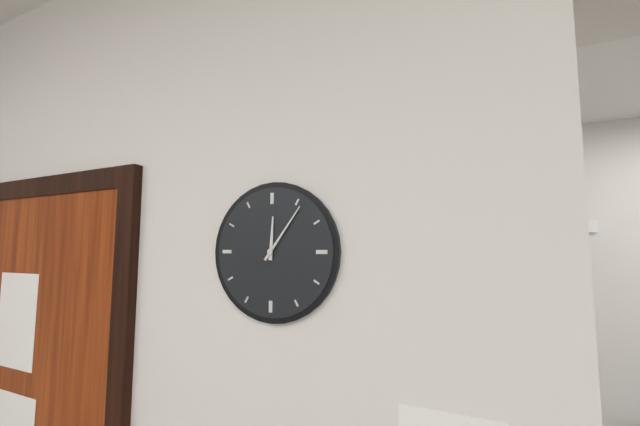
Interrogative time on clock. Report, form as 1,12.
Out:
12,06
